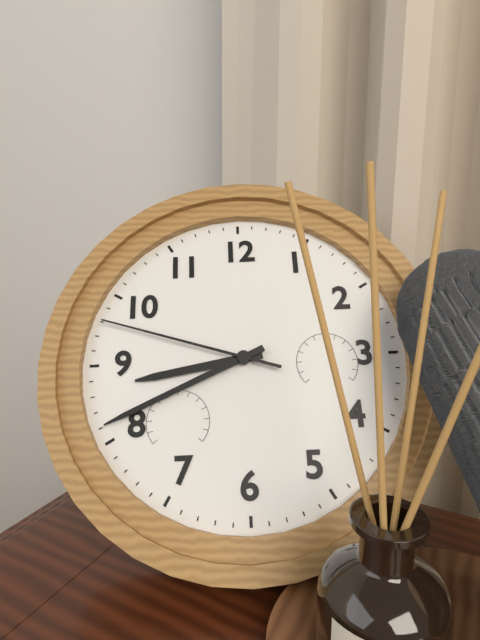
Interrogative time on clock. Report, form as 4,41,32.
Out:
8,41,48
